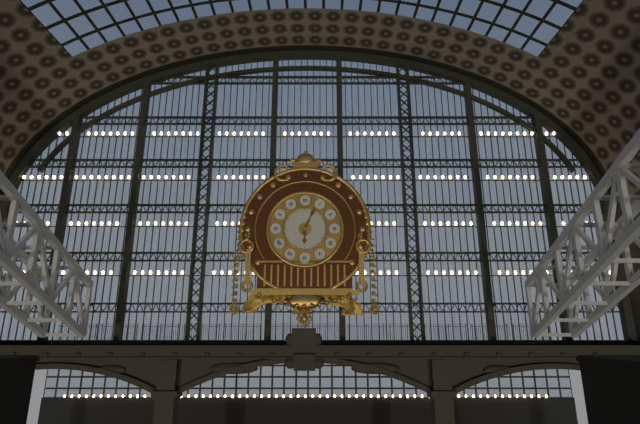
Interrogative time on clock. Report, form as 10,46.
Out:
6,04
